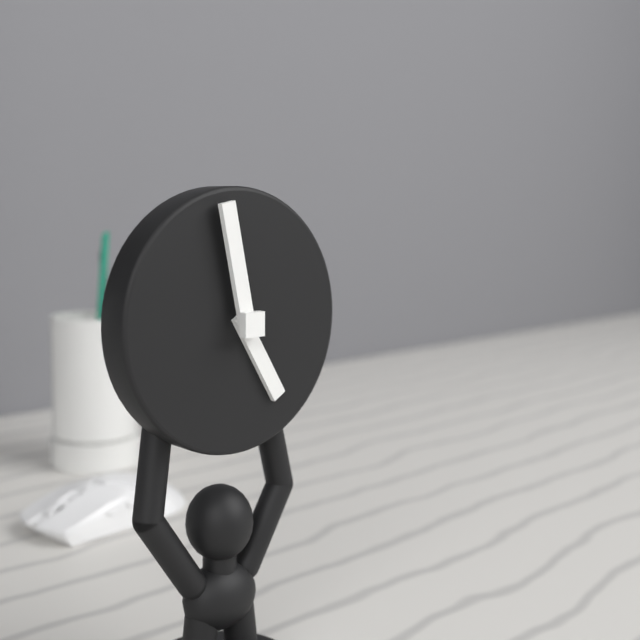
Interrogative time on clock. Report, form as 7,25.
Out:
4,58
